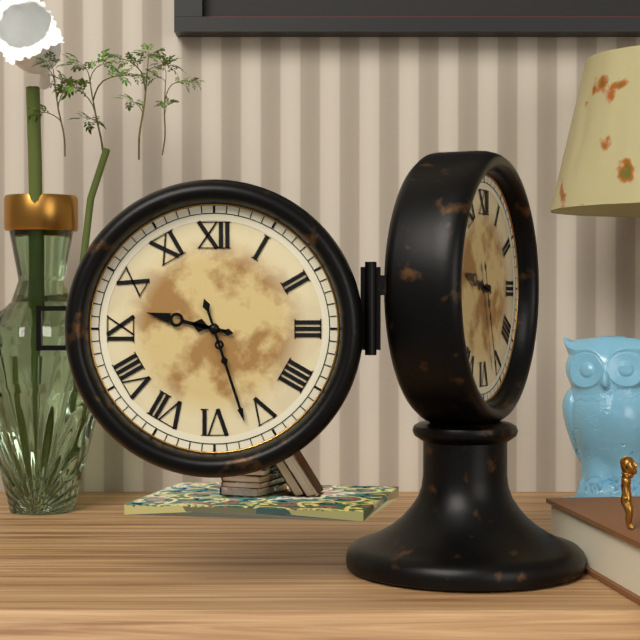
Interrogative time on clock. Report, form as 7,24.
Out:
9,27
